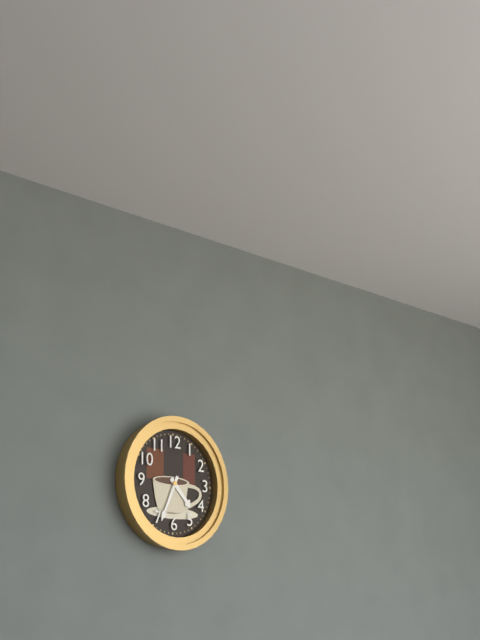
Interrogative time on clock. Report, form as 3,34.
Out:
4,34
